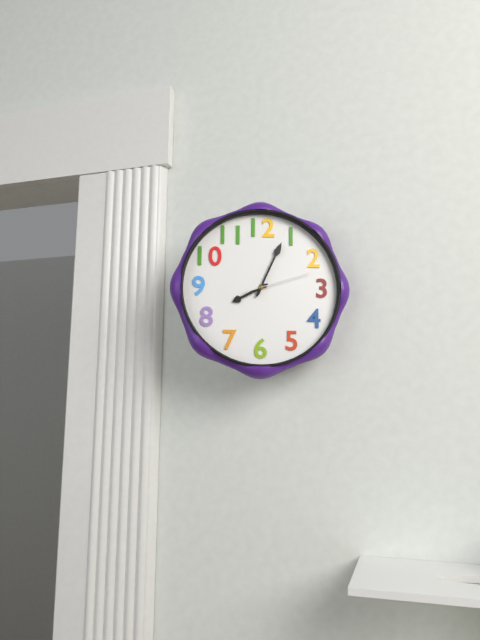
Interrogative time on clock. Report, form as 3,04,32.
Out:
8,04,12
